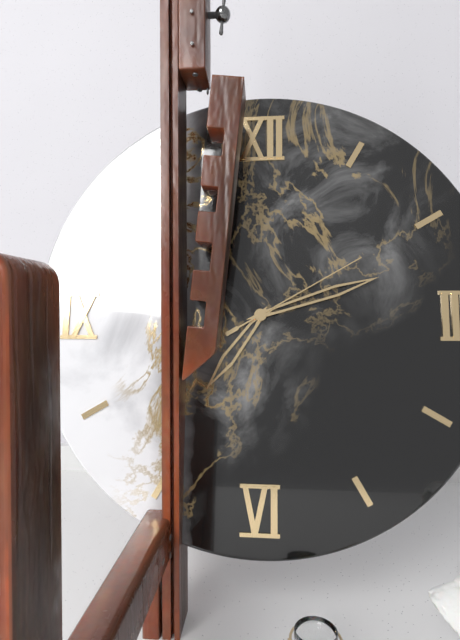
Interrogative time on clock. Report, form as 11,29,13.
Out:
7,12,10
